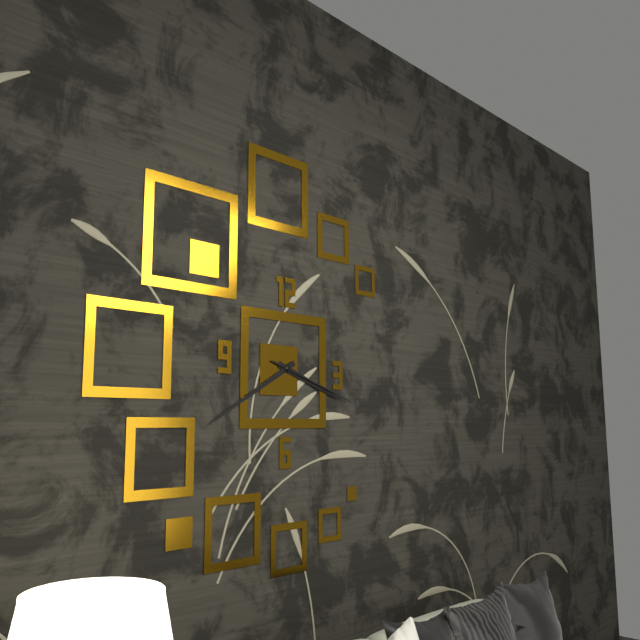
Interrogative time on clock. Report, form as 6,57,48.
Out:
3,40,18
